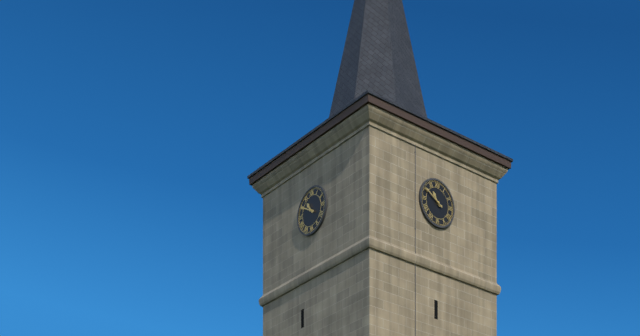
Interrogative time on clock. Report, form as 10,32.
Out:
10,50
